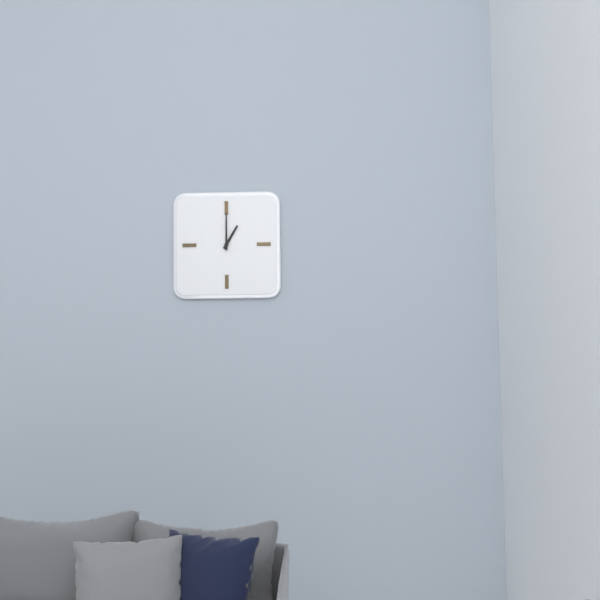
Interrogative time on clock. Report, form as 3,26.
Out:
1,00
